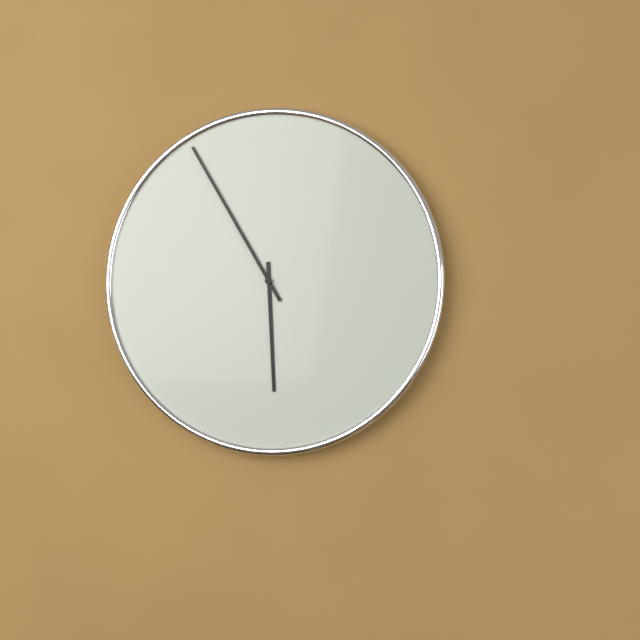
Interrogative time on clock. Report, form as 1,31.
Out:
5,55
